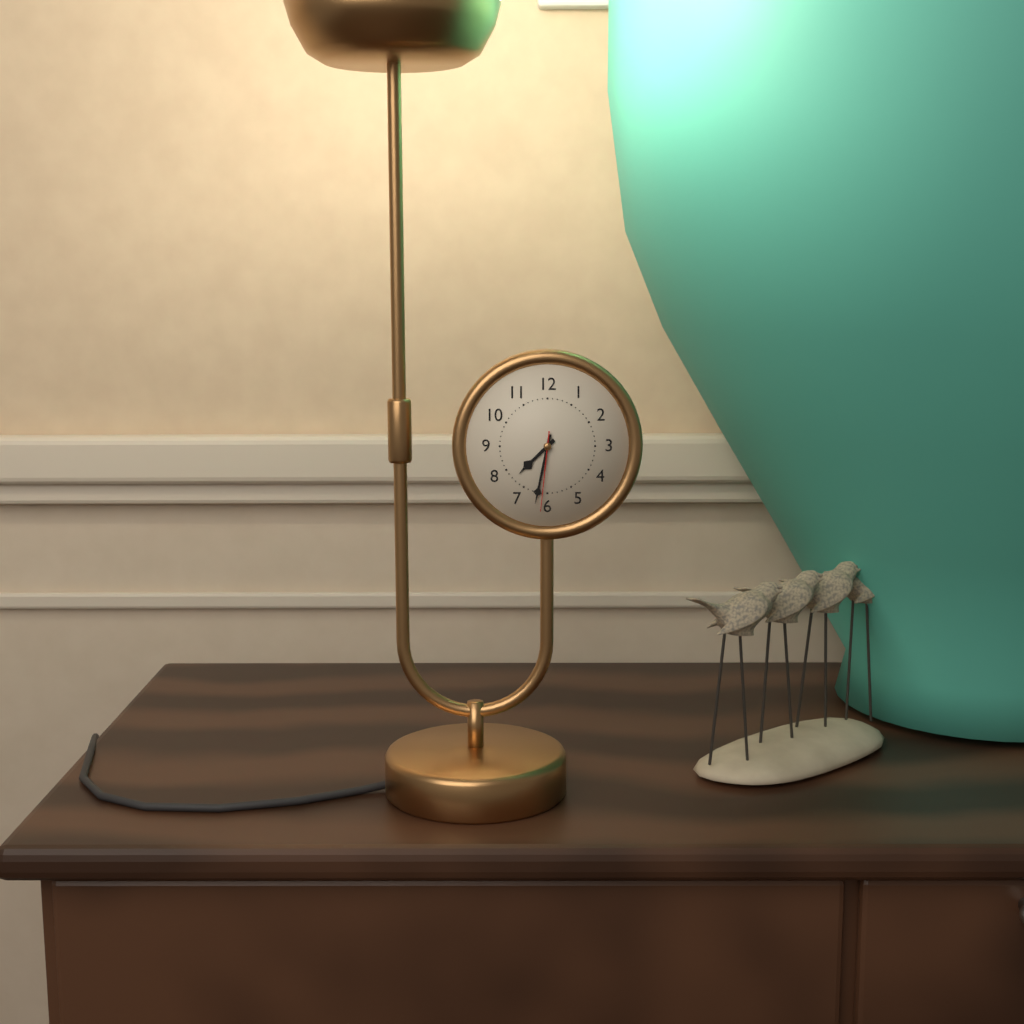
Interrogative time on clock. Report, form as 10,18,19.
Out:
7,32,31
